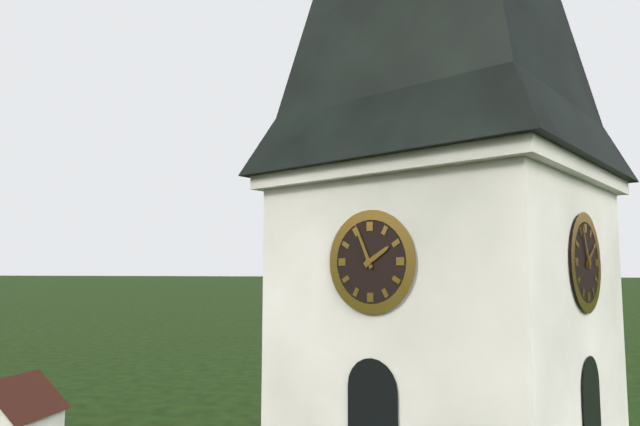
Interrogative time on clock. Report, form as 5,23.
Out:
1,56
